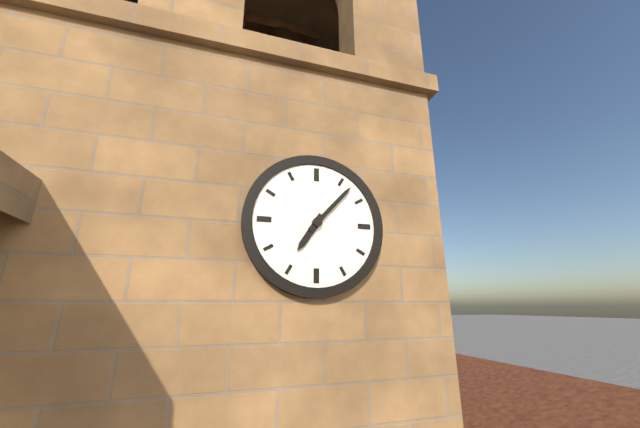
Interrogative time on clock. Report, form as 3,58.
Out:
7,07
